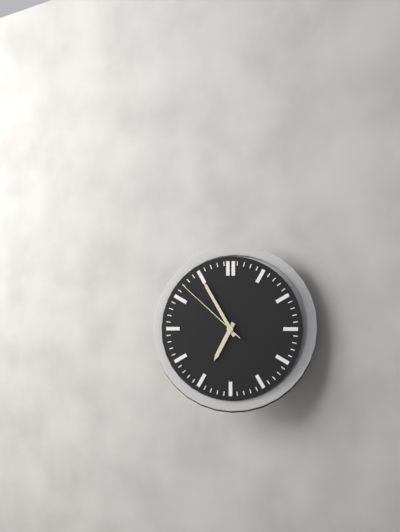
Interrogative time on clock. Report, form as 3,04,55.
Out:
6,55,52
